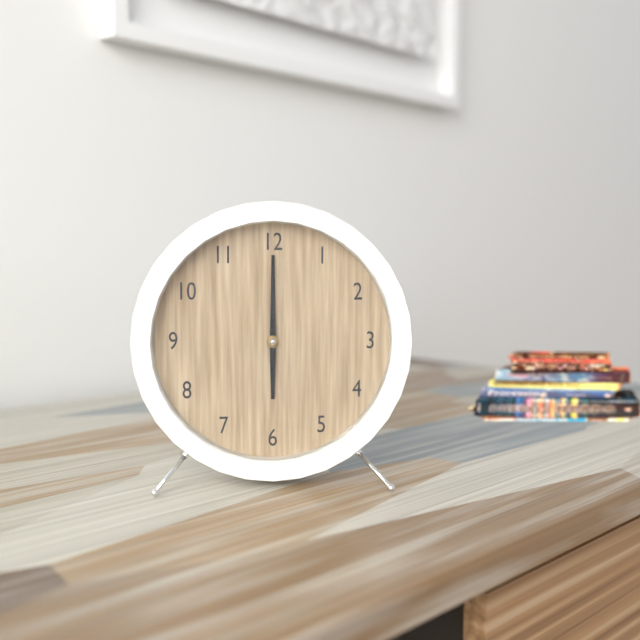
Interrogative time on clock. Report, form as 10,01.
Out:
6,00
